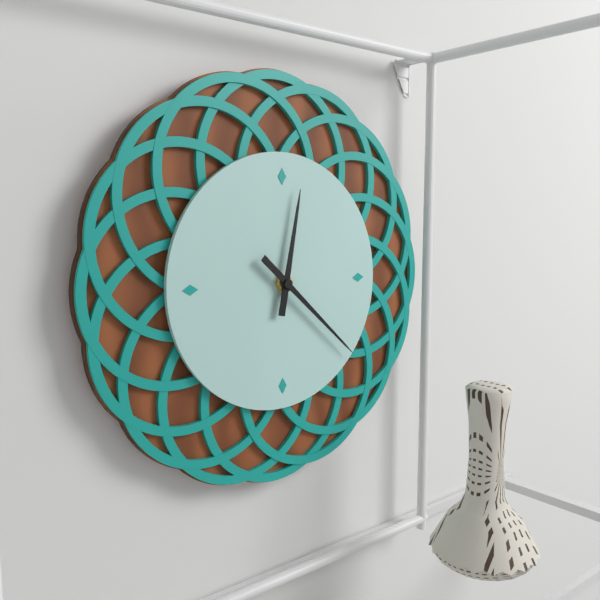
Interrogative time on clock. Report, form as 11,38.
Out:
12,22
